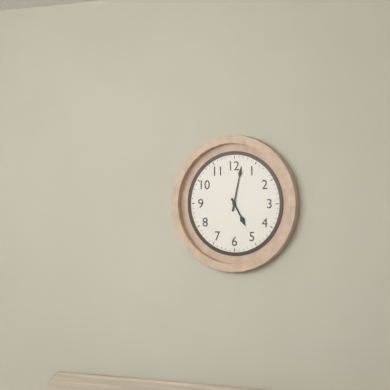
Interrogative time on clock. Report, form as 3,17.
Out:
5,02
